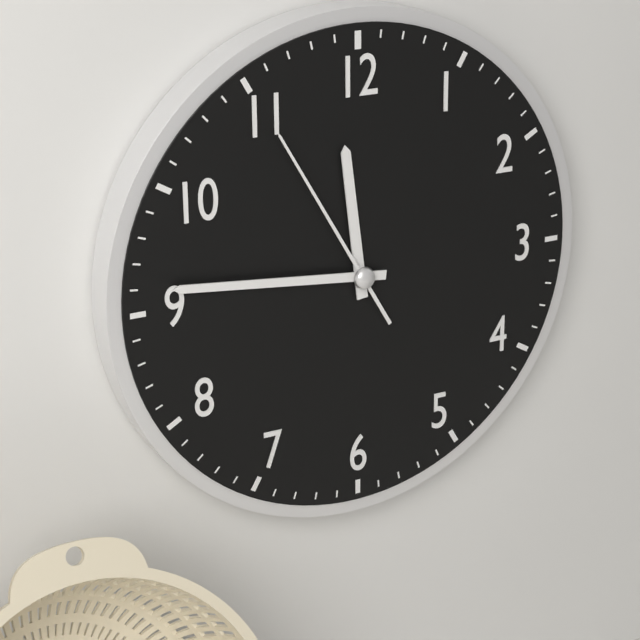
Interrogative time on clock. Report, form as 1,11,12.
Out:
11,46,55
